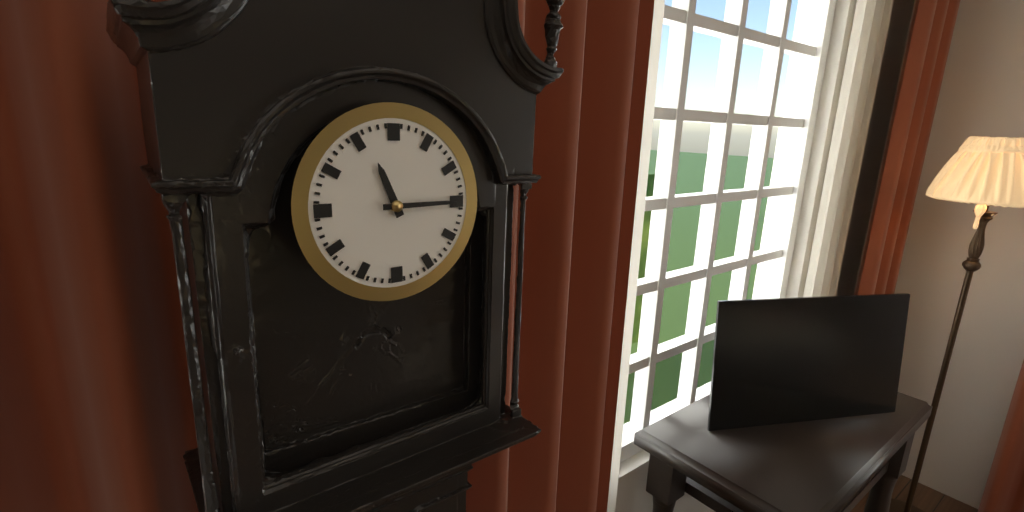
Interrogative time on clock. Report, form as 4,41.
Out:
11,15
